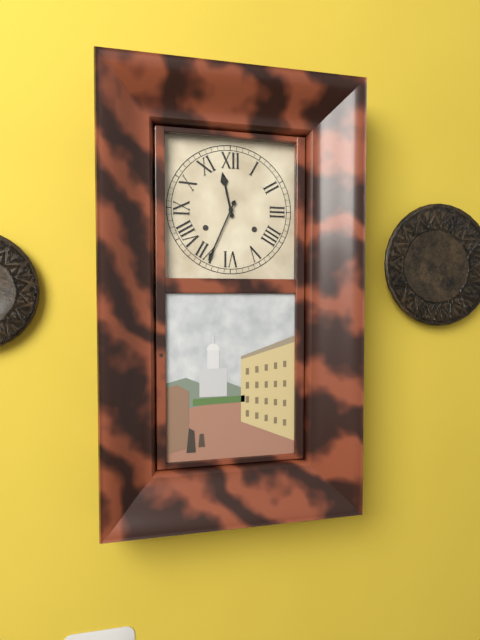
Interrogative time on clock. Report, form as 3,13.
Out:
11,34
